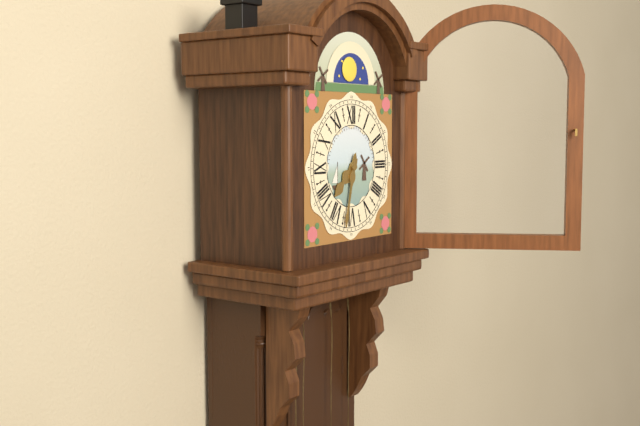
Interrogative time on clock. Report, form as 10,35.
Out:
7,32
